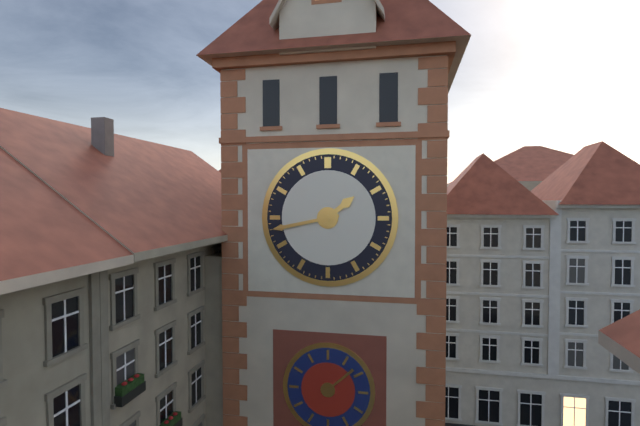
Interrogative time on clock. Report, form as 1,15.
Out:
1,43
